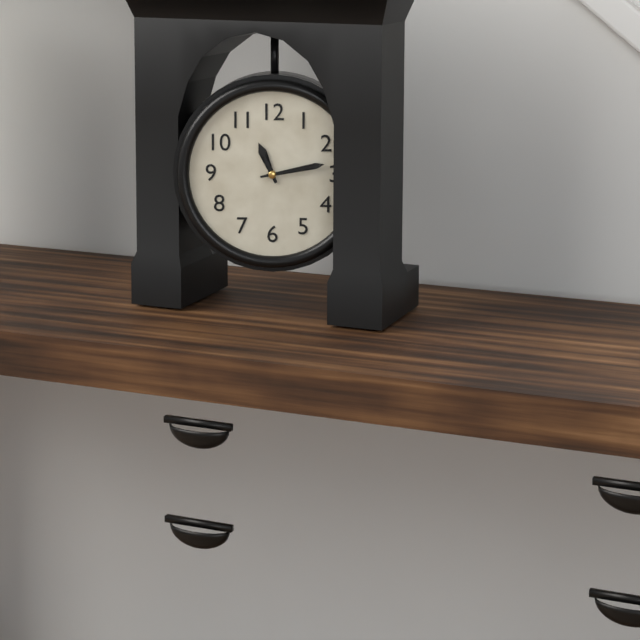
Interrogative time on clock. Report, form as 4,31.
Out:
11,13
